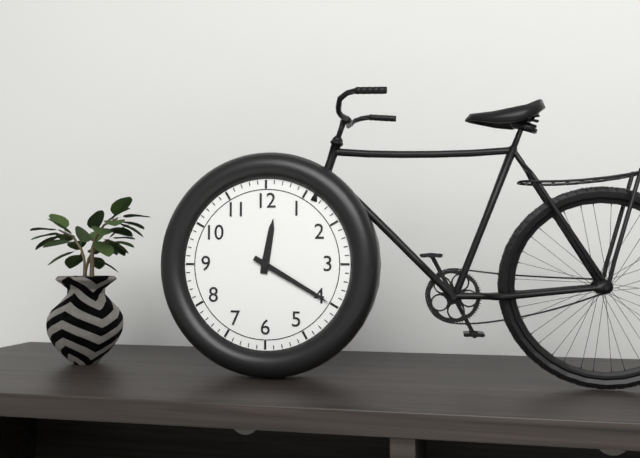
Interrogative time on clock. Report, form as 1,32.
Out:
12,20
